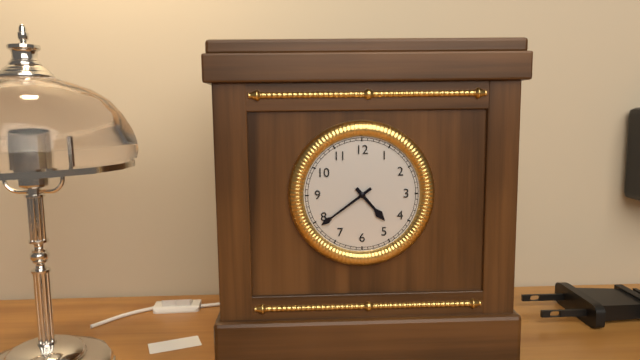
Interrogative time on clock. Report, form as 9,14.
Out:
4,39
